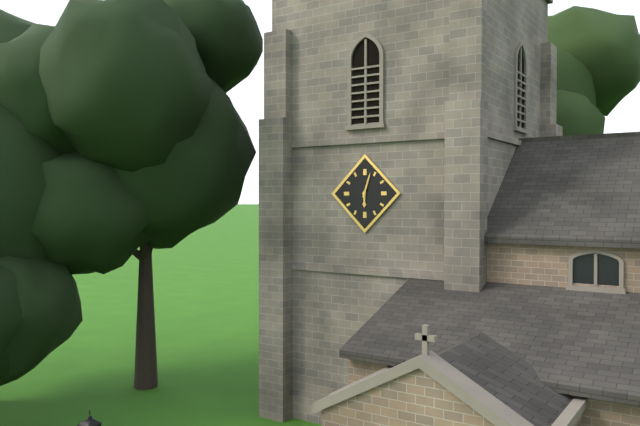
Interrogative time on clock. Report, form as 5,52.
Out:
6,03
